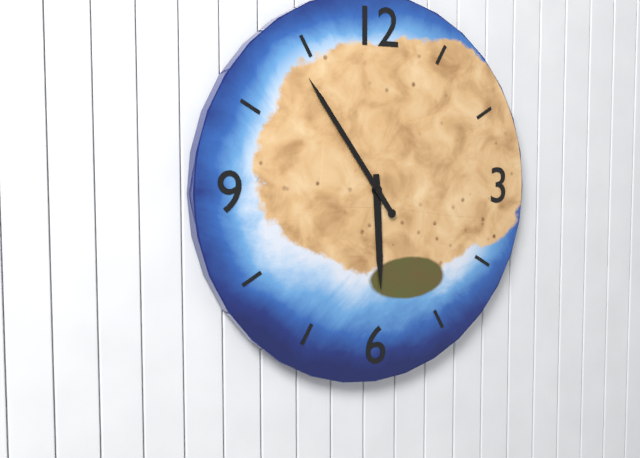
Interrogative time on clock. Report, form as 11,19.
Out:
5,54
